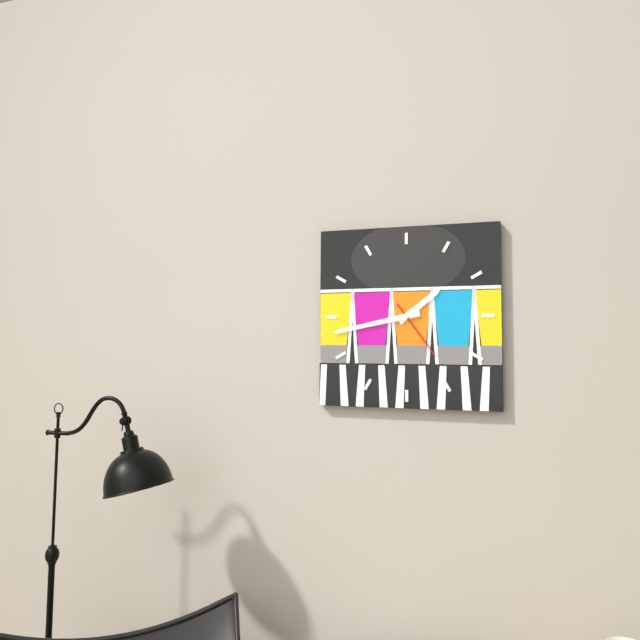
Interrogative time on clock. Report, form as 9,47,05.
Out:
1,43,24
